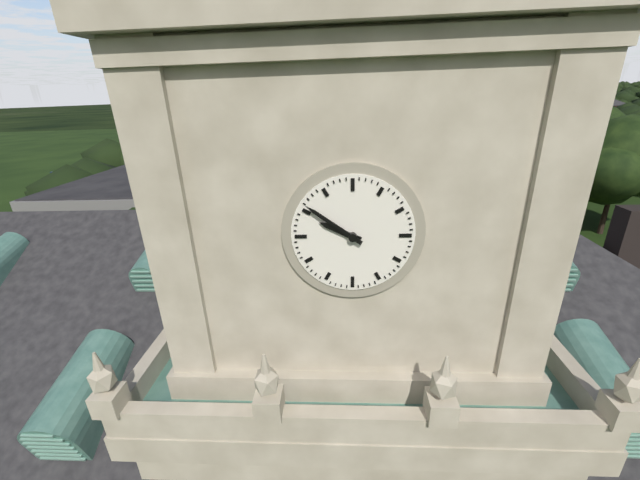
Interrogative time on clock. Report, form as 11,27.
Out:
9,51
